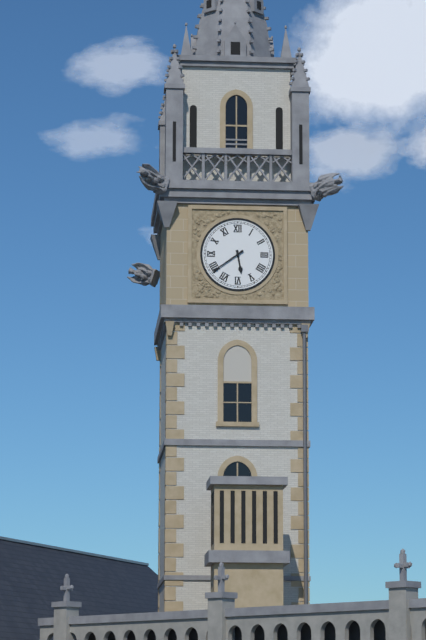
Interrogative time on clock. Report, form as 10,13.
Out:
5,39
